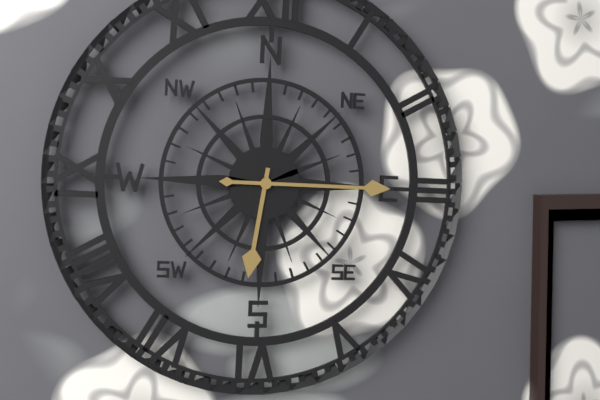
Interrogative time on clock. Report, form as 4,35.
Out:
6,15
